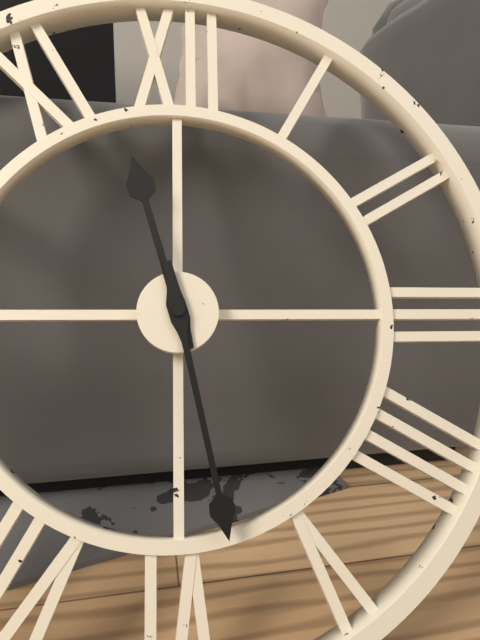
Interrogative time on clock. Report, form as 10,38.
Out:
11,28
